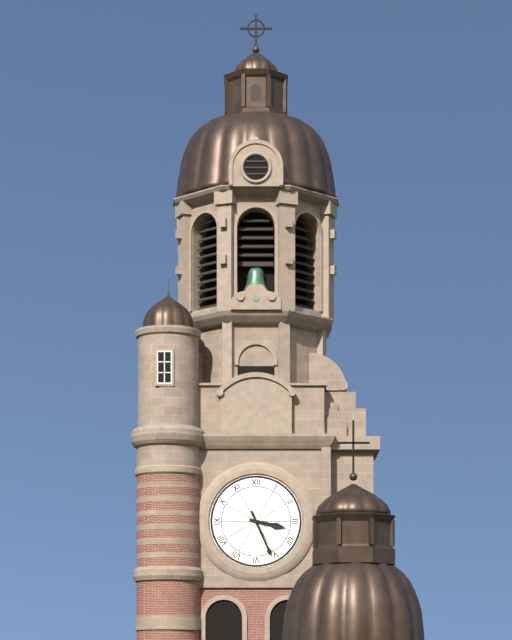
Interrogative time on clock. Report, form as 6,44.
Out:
3,26
